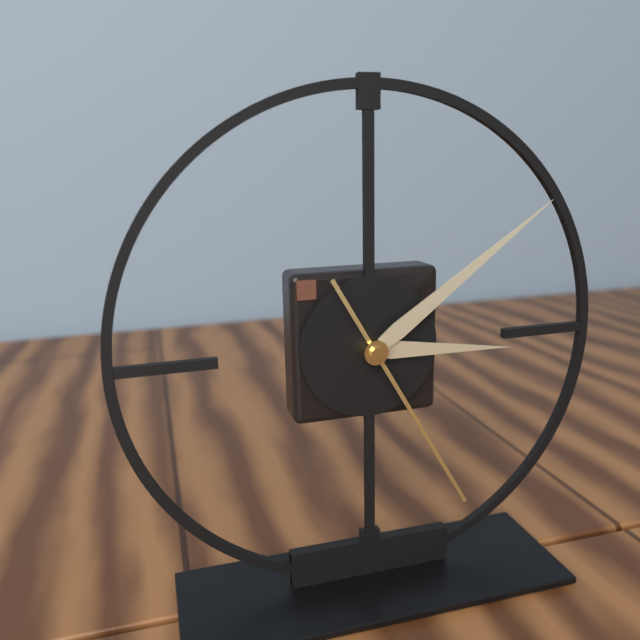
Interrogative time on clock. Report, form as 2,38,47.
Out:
3,09,25
